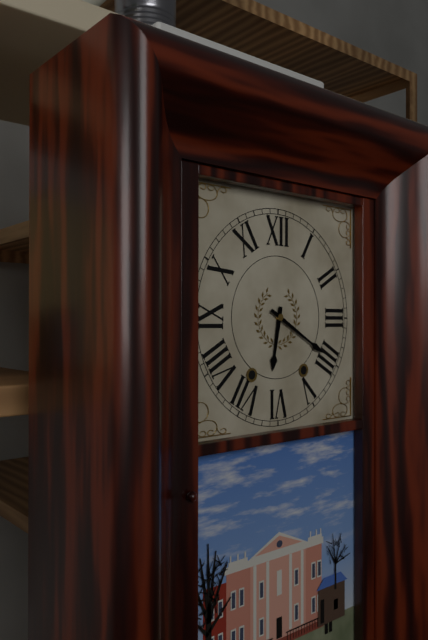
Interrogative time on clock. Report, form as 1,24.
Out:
6,20
